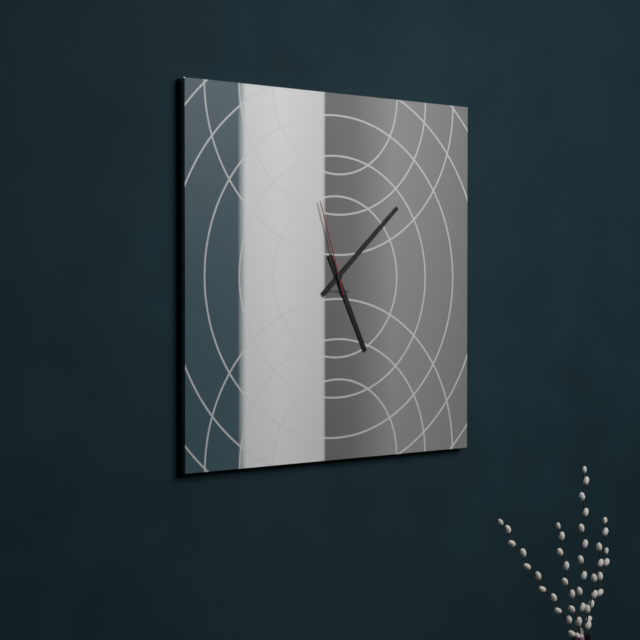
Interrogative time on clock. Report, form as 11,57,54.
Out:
5,08,57
